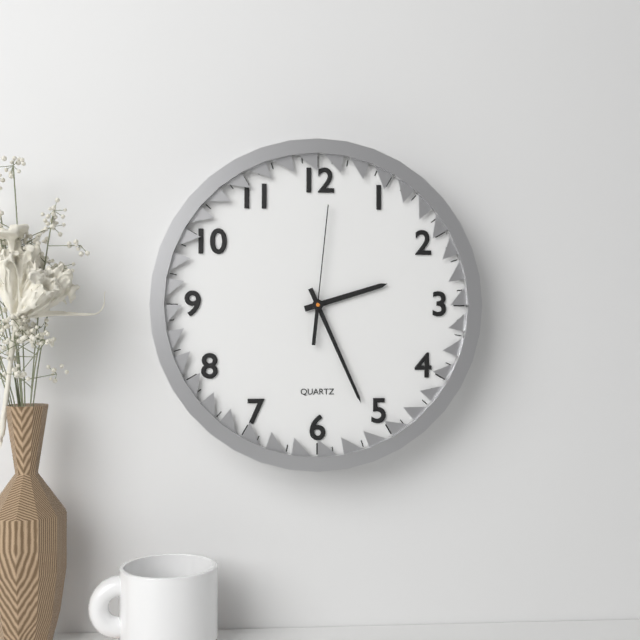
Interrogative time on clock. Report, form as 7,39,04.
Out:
2,26,01
